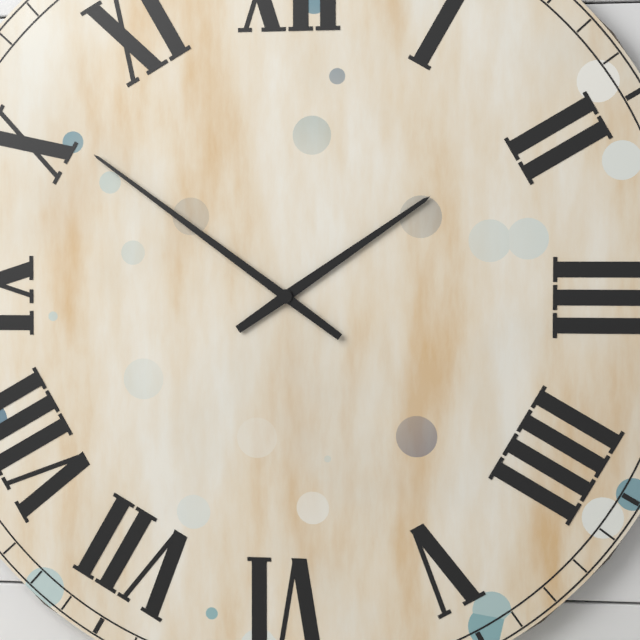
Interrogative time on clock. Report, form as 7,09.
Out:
1,51
